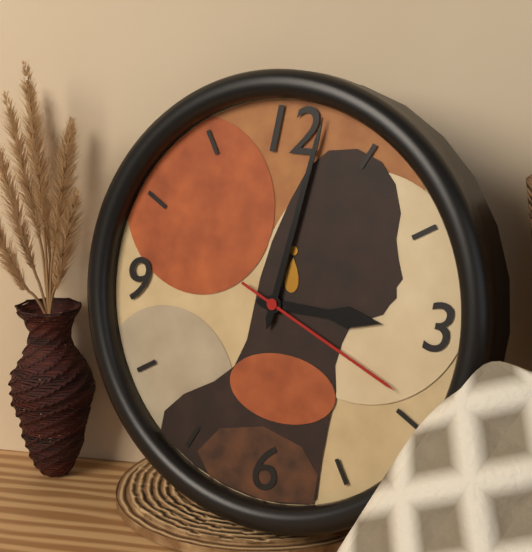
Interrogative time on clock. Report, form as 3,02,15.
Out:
3,02,19
